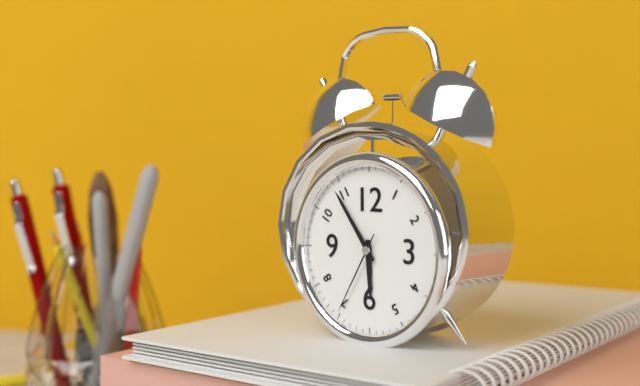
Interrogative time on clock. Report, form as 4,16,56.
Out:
5,54,35
